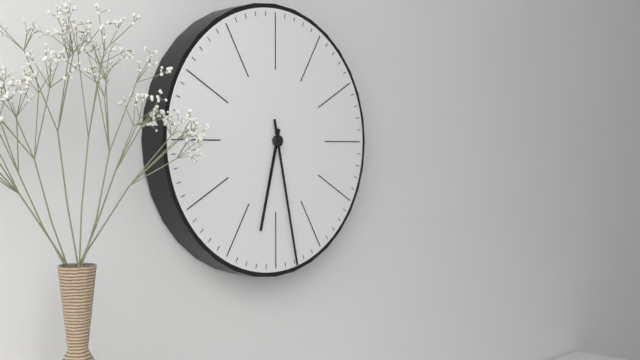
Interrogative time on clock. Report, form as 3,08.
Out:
6,28
